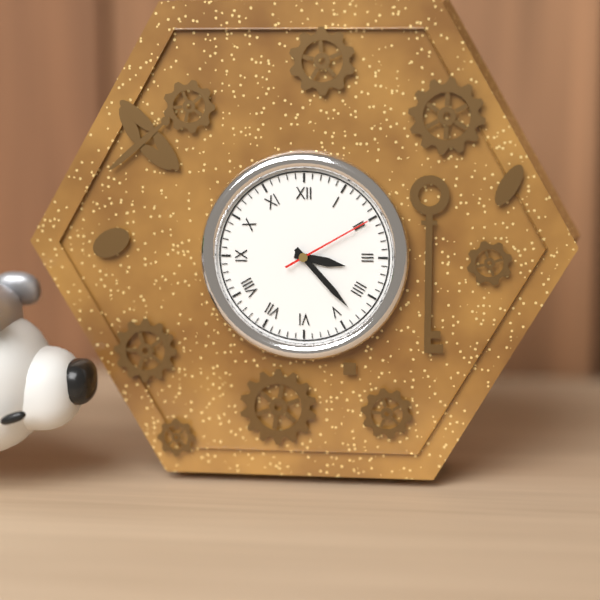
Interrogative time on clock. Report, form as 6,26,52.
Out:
3,23,10
